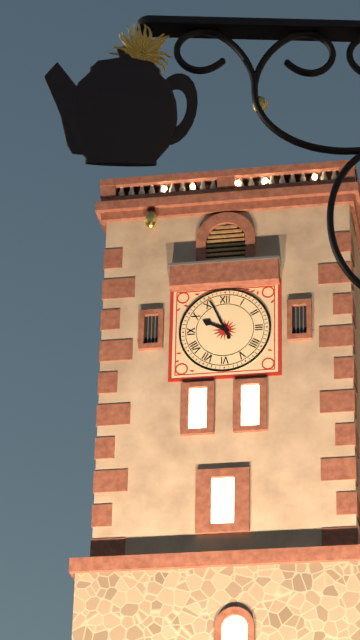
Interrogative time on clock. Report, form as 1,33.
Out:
9,56
